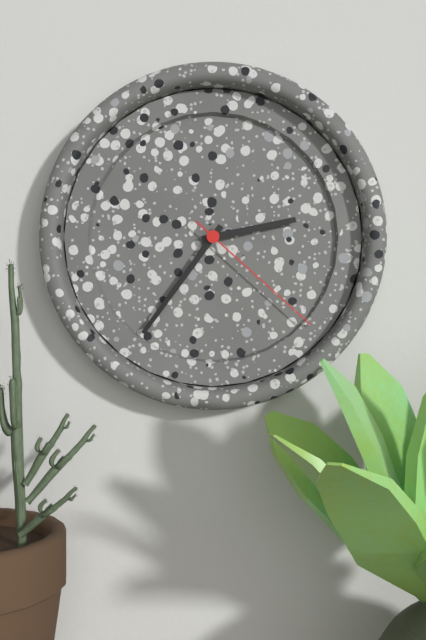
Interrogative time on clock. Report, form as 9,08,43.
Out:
2,36,22
